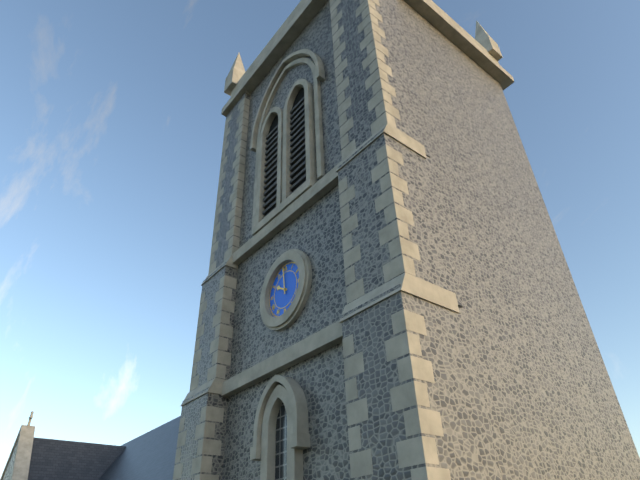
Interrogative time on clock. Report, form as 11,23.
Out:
9,59
